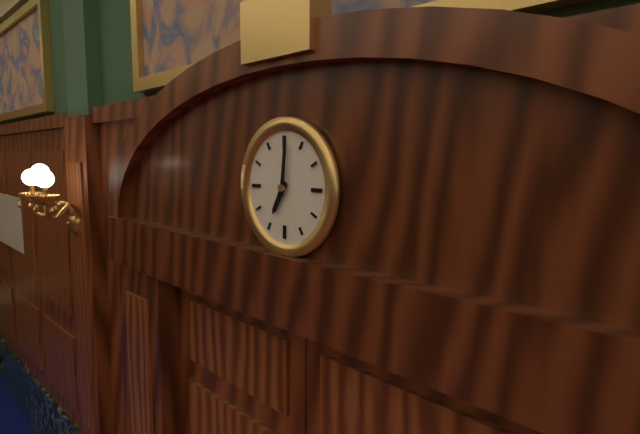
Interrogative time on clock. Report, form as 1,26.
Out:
7,01
